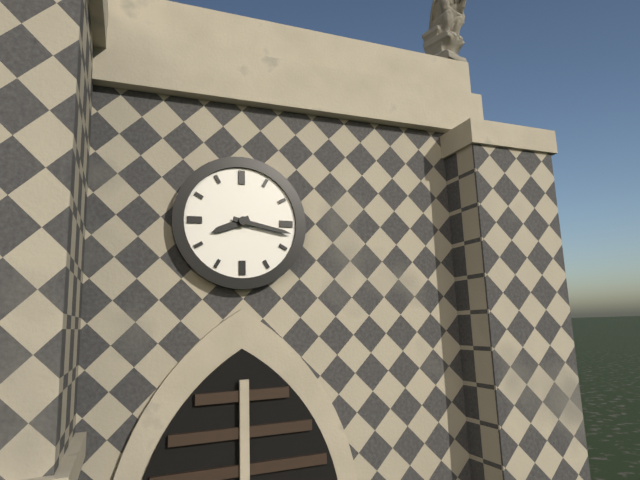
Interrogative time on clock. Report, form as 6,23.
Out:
8,17
